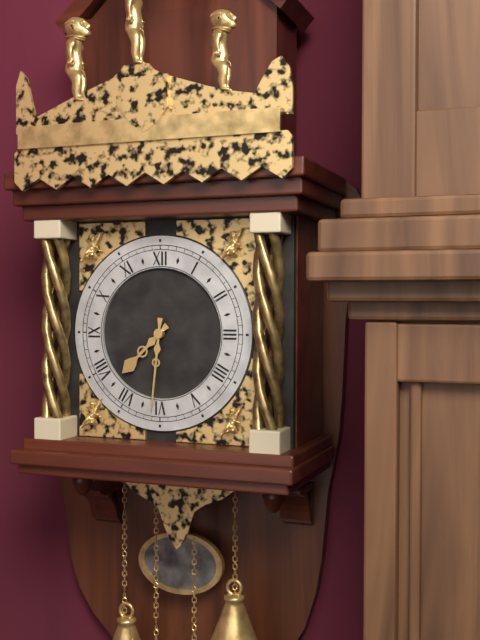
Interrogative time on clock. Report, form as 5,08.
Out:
7,31
